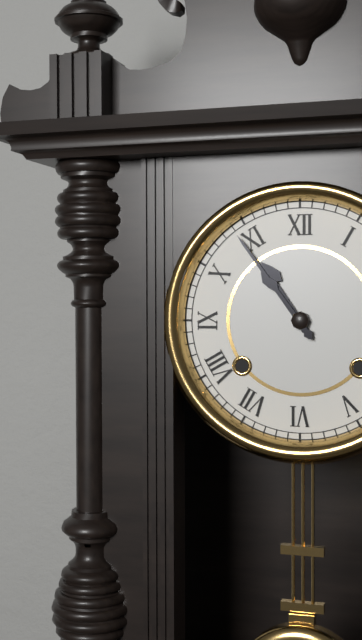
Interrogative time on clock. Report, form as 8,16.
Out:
10,54
